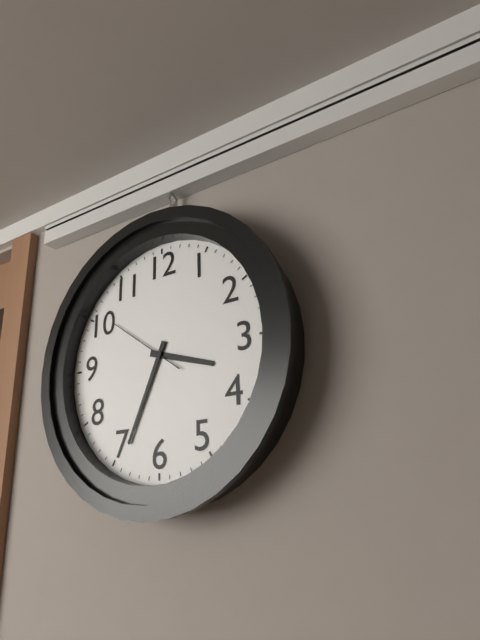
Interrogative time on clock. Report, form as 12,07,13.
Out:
3,34,51
